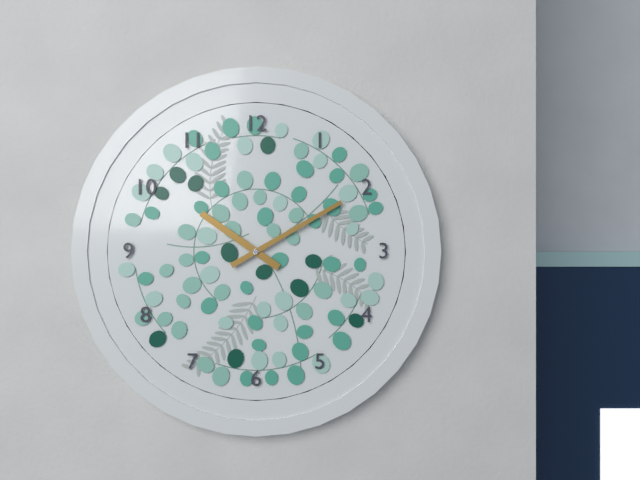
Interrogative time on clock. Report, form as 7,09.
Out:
10,10
